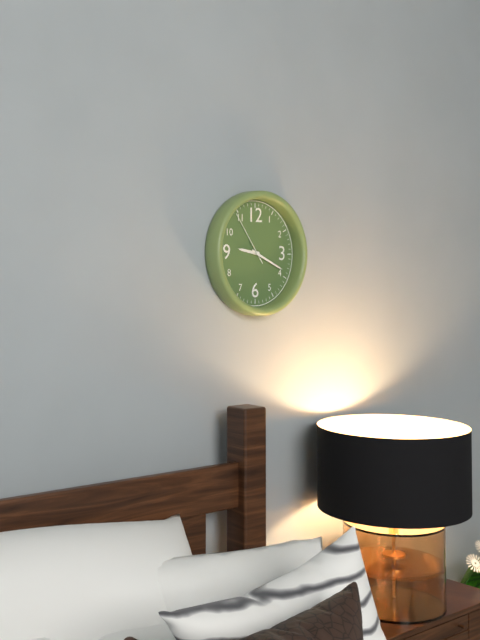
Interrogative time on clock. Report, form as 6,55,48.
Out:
9,19,54
